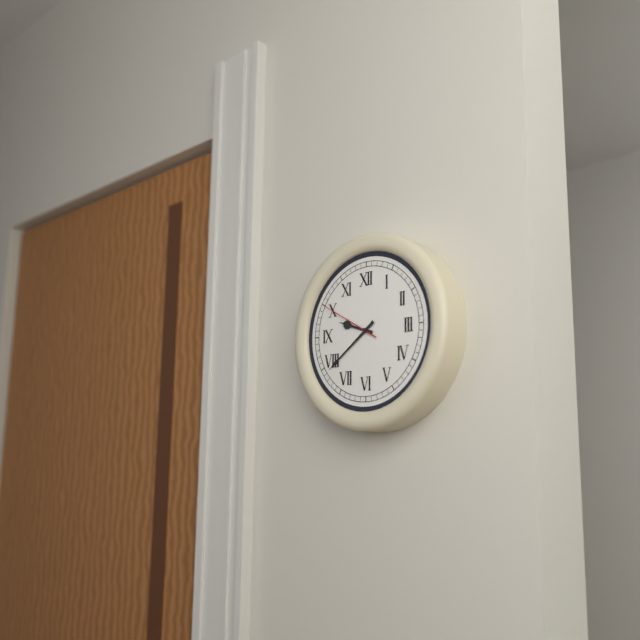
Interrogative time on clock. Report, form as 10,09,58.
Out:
9,39,50
